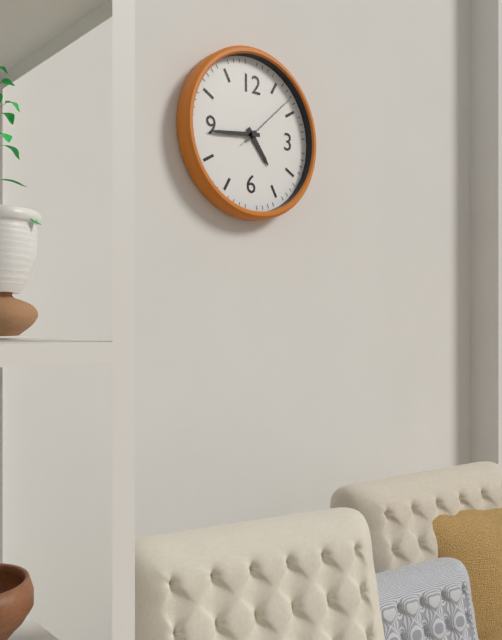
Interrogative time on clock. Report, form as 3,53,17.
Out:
4,44,08
